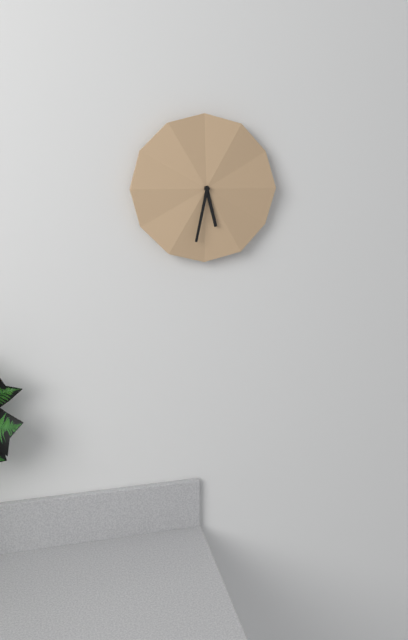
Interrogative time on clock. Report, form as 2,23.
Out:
5,32
